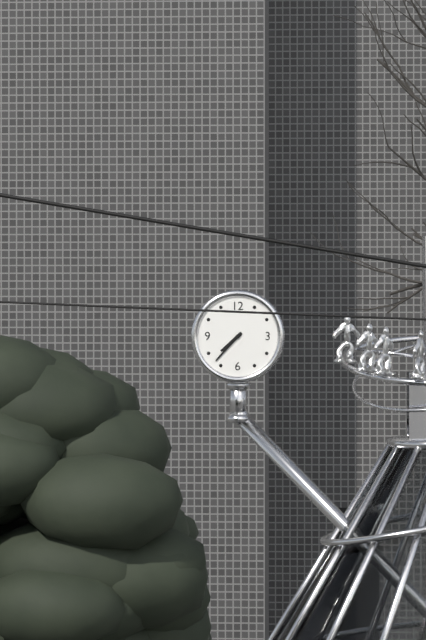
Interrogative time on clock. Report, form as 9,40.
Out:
7,37
